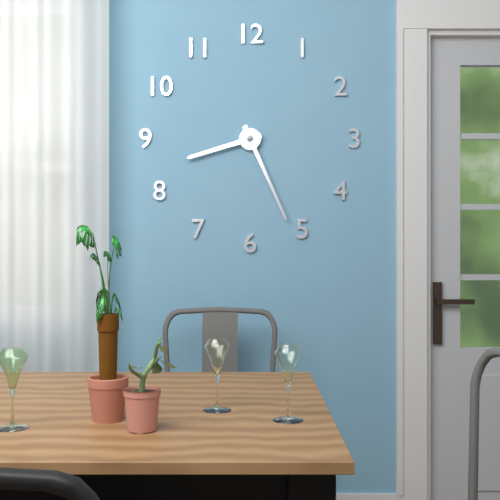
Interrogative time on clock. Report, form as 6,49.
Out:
8,26
